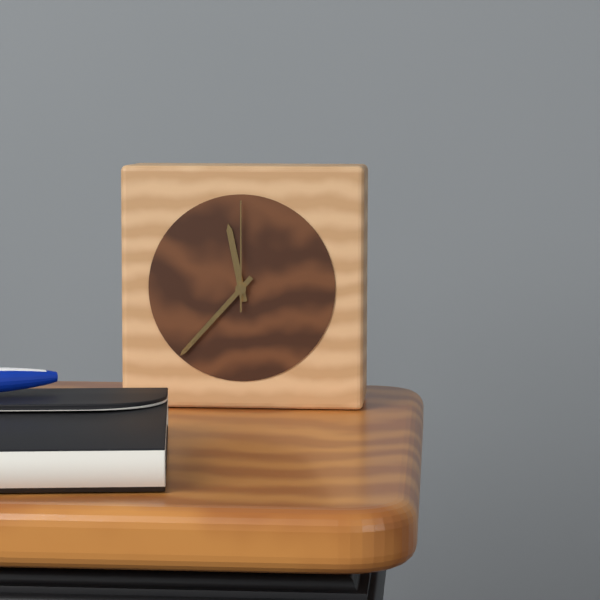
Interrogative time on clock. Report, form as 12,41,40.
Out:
11,37,00
